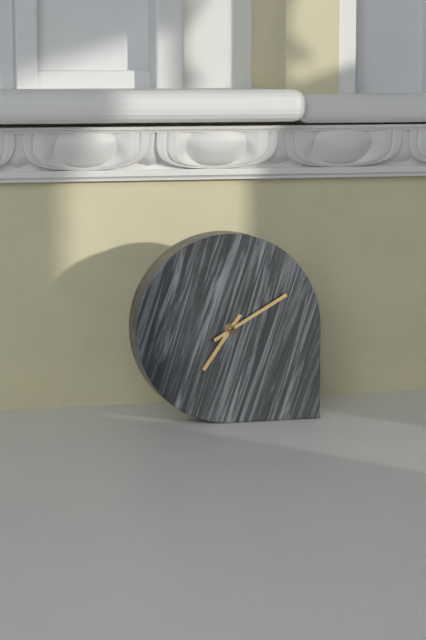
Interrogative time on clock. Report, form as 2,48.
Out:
7,10
